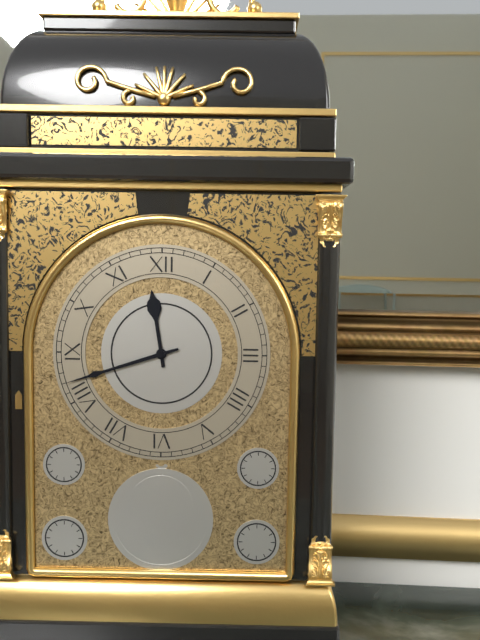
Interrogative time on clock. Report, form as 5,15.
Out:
11,42
